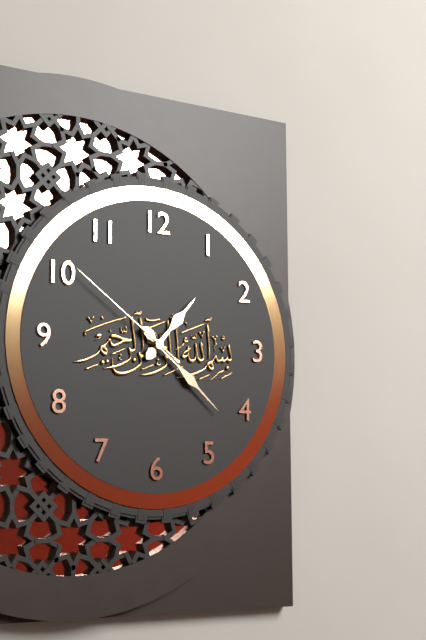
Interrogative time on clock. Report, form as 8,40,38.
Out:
1,22,51
